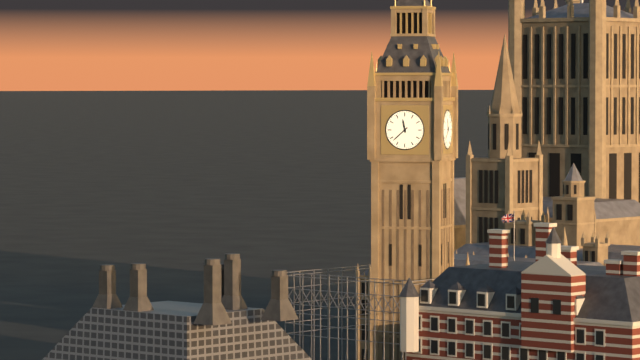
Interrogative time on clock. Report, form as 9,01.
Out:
11,38
